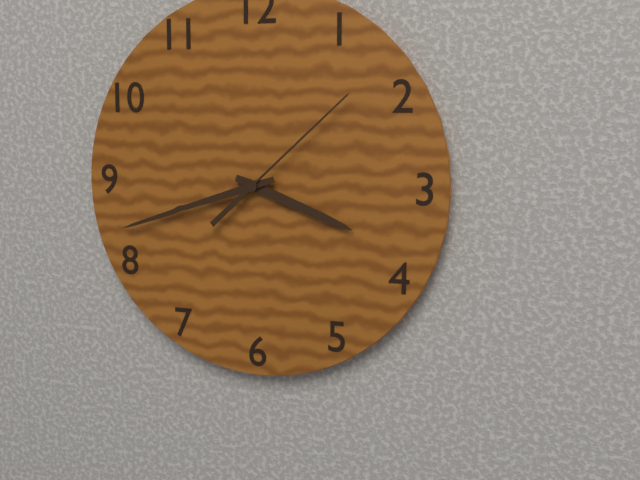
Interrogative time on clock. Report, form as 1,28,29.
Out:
3,42,08
